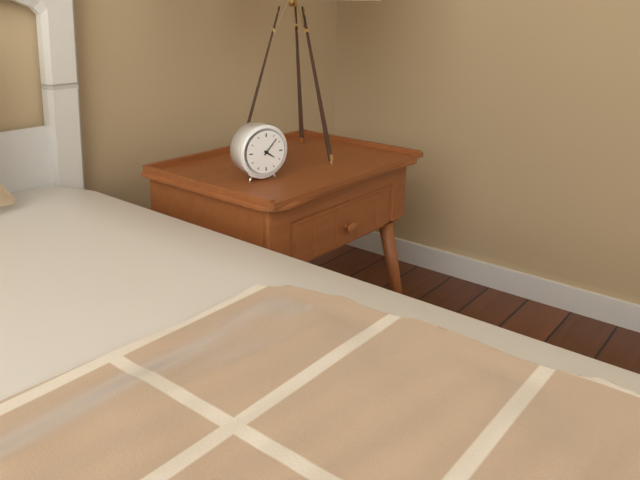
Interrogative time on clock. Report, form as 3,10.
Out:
4,07
